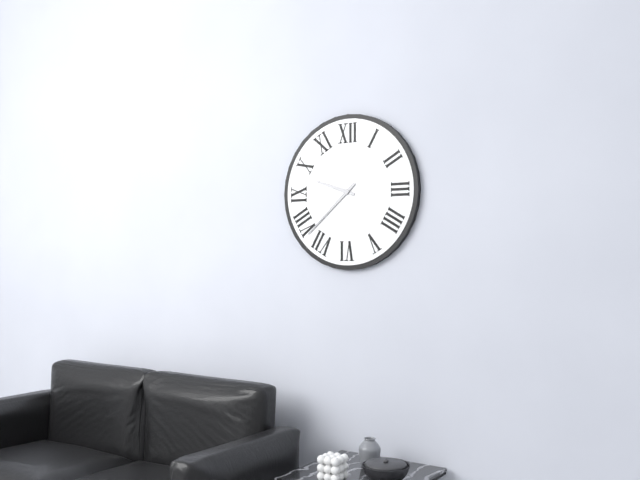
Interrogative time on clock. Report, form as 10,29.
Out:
9,38
